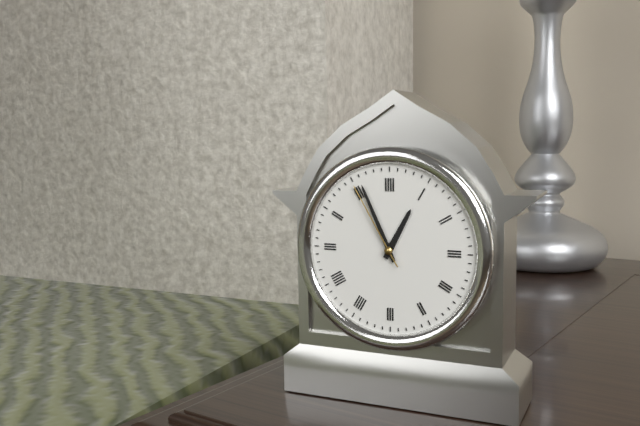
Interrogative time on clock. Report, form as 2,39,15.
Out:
12,56,55
